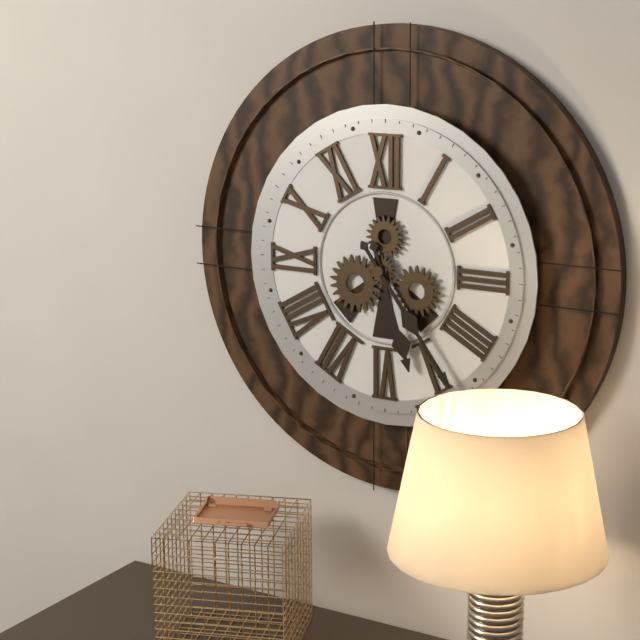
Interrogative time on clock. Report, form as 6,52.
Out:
5,24
